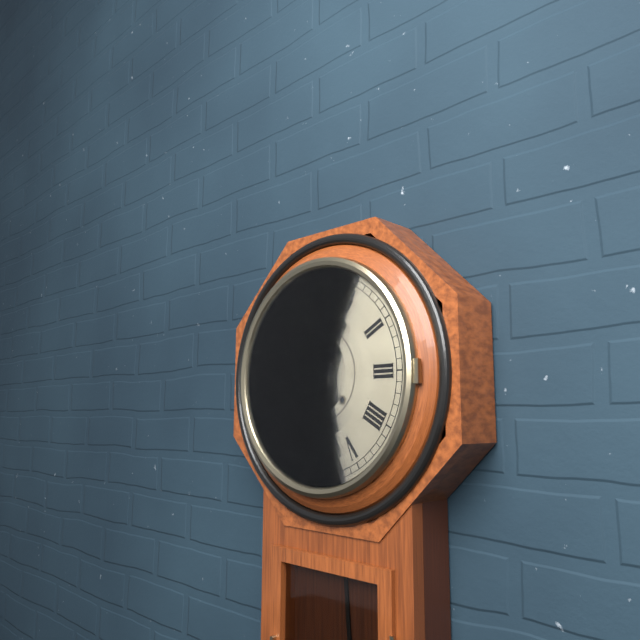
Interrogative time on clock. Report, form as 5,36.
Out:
8,39
